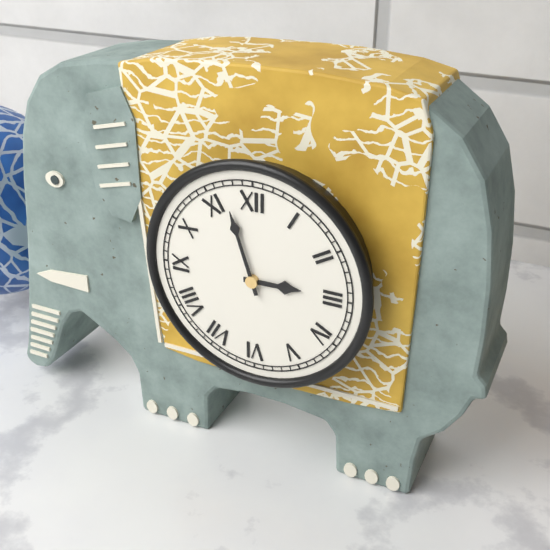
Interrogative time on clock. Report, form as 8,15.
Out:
2,57
